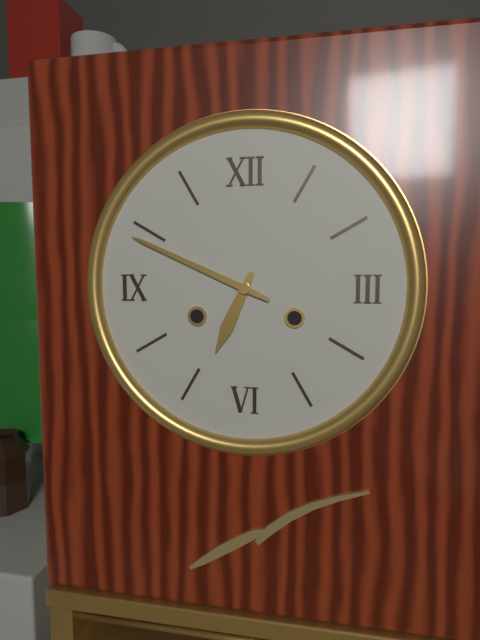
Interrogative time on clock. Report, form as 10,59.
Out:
6,49
